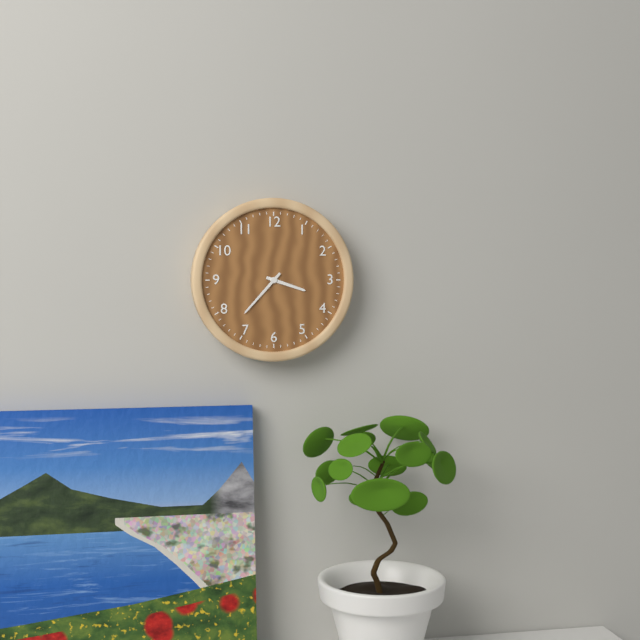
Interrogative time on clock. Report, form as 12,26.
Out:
3,37
